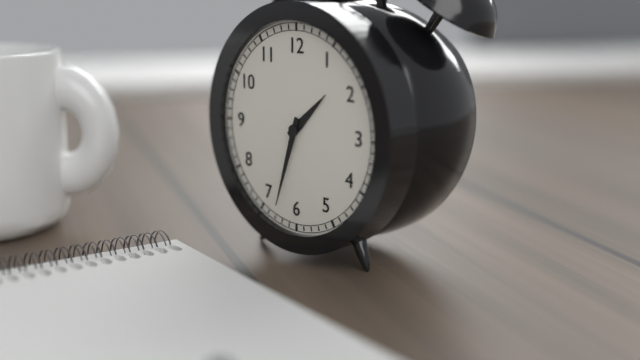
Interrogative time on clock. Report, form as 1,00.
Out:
1,33
